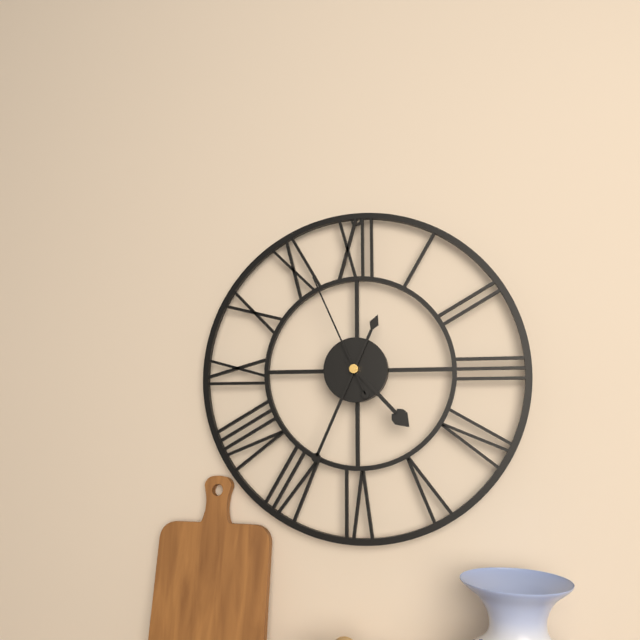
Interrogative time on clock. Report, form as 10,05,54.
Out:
4,34,56
